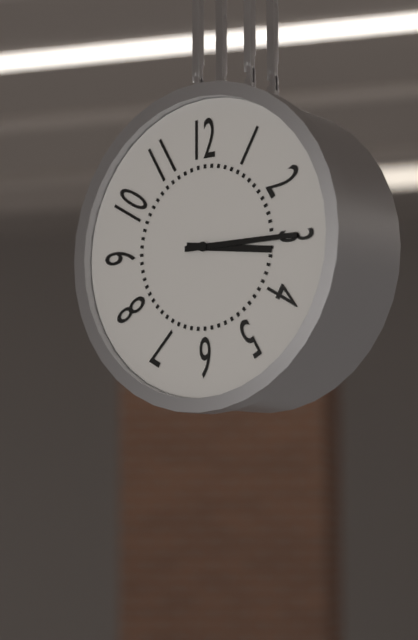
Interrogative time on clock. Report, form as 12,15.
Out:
3,15
